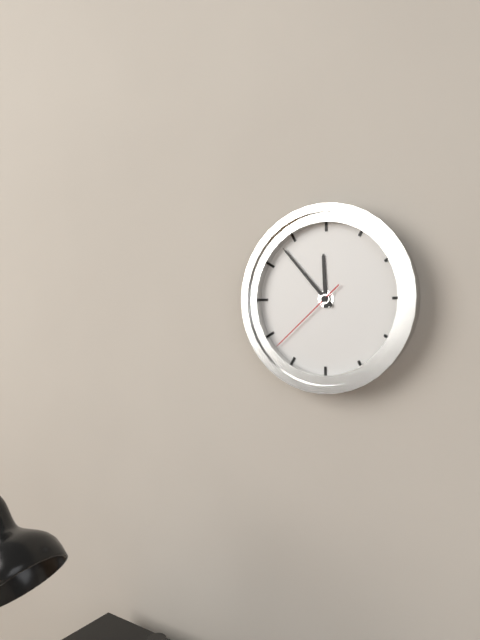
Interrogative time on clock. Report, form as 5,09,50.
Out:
11,53,38
